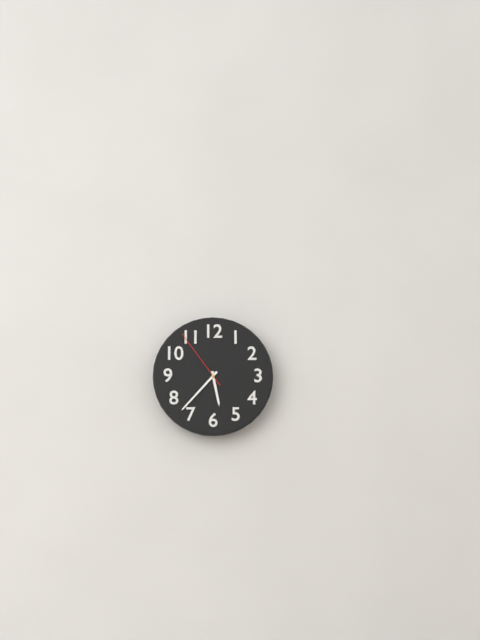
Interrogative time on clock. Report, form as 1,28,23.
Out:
5,37,54
